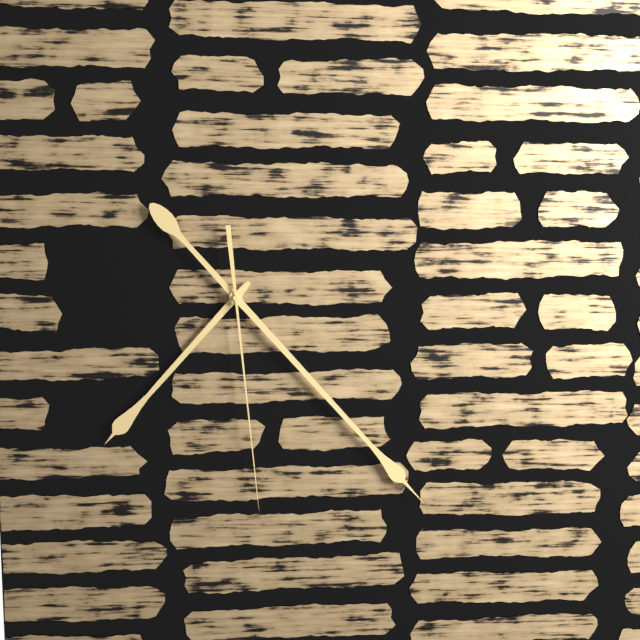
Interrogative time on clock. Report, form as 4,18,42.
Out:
7,23,29
